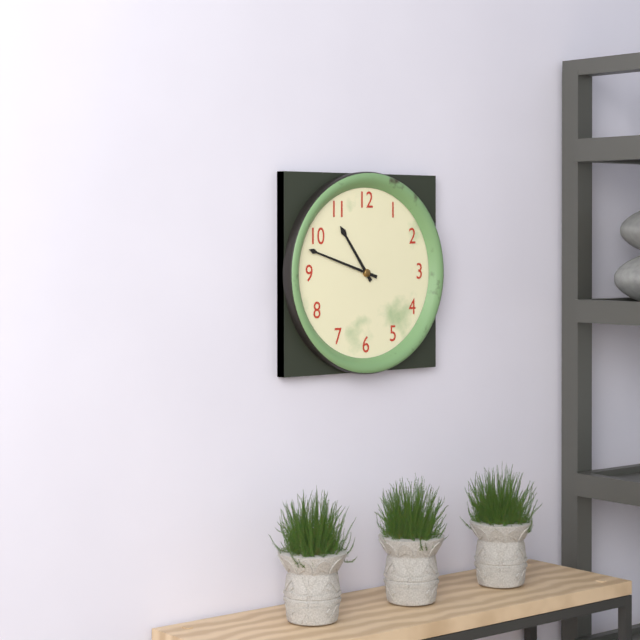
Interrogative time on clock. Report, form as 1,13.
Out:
10,48
